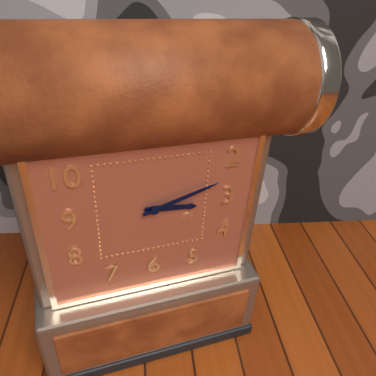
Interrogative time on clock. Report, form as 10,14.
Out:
3,12
